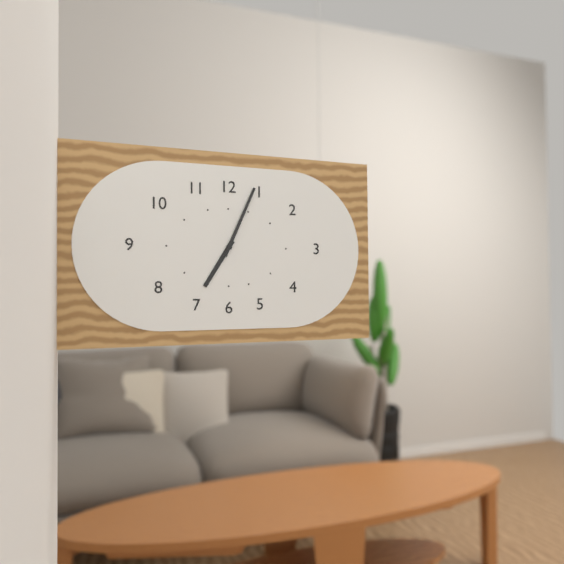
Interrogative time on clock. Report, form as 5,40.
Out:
7,04
